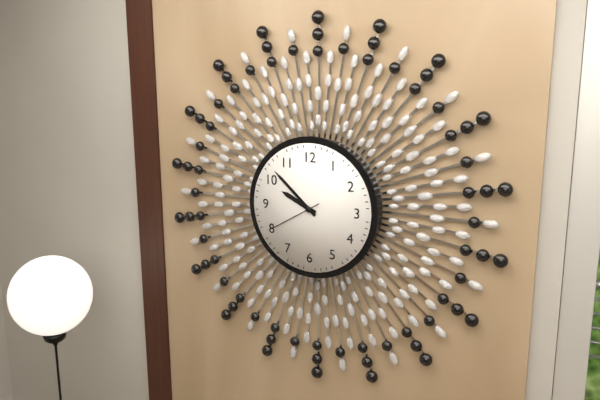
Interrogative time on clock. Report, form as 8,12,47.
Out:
9,52,40
